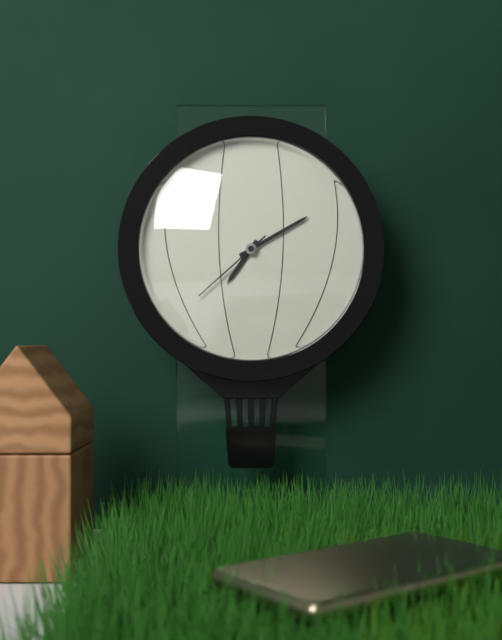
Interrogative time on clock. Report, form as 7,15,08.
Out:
7,10,38
